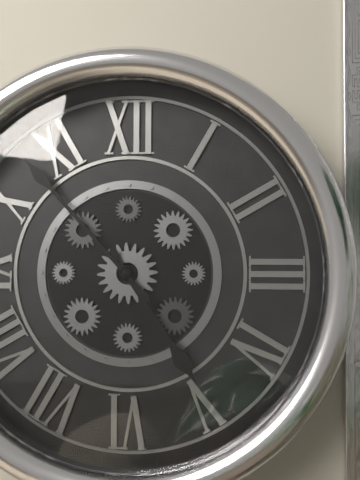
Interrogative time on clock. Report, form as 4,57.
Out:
4,53
